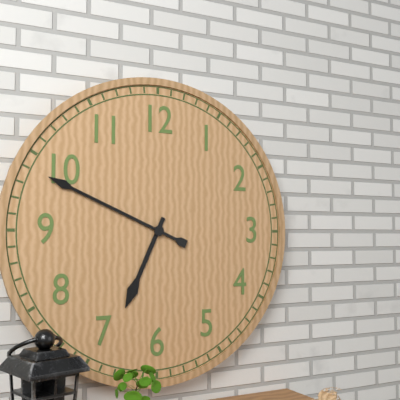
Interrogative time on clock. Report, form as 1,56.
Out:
6,49
